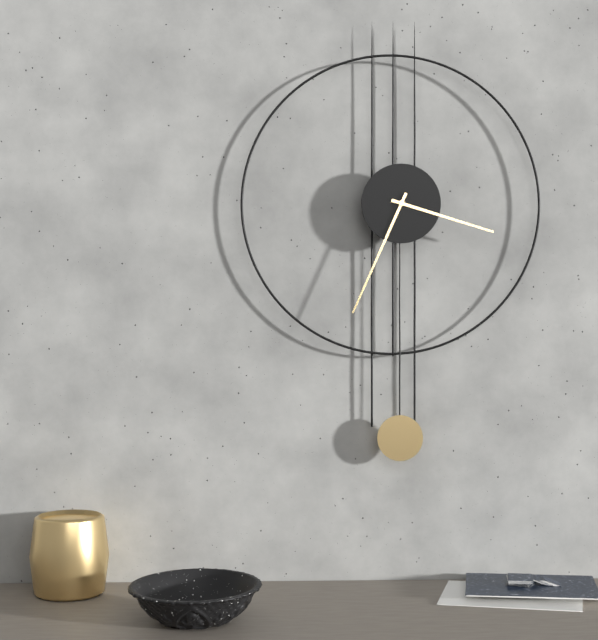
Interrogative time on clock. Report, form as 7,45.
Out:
3,34
